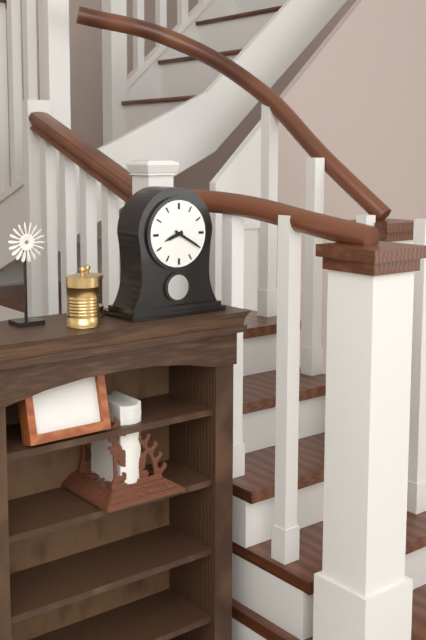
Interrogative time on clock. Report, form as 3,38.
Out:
8,20
